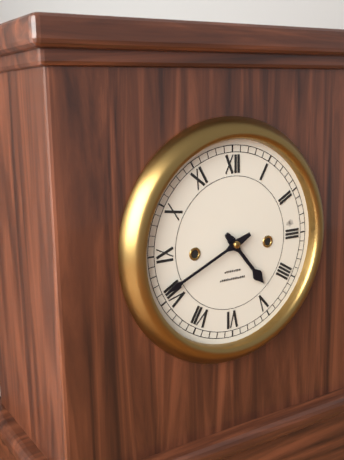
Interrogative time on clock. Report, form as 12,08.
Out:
4,41
